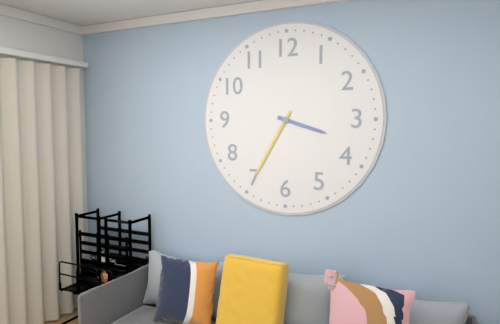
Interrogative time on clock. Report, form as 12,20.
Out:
3,35
